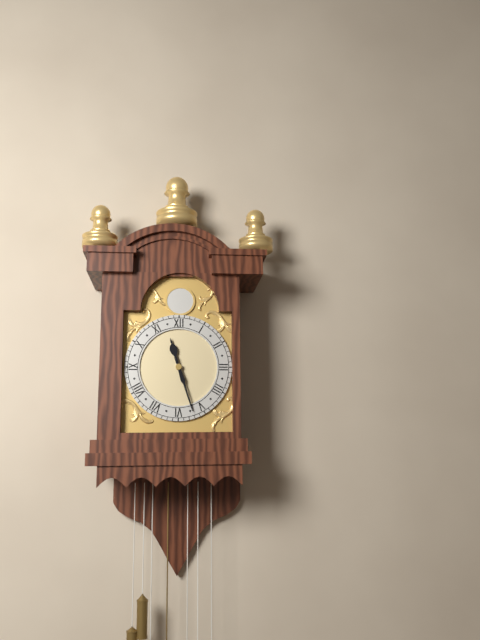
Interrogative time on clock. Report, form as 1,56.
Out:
11,27
